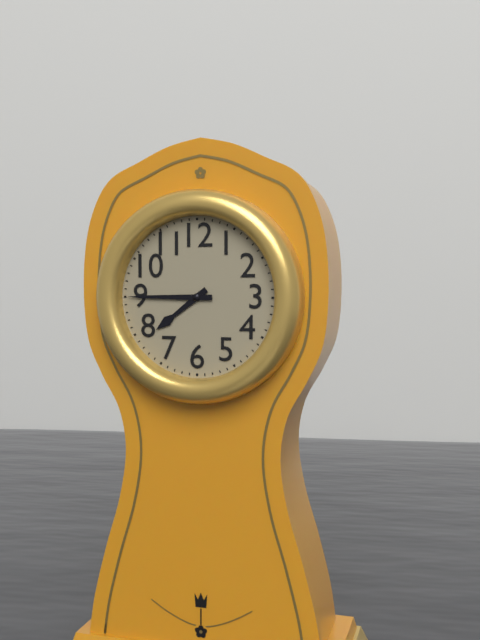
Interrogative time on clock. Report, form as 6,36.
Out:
7,45
